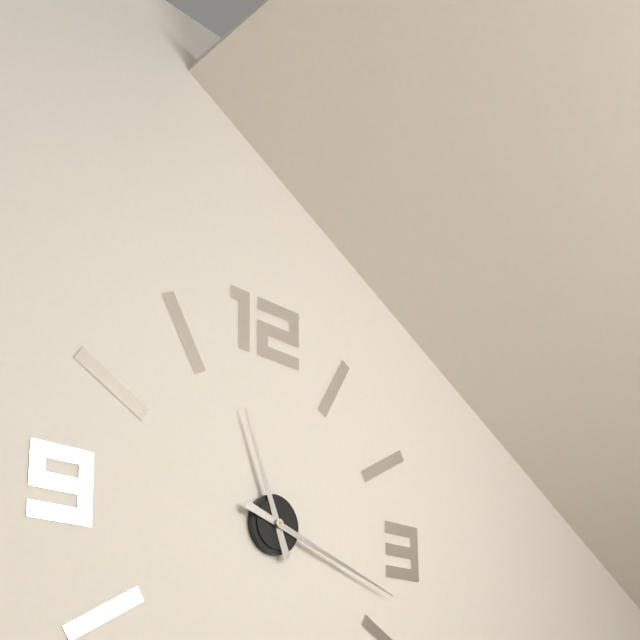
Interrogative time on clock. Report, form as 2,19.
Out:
11,18
